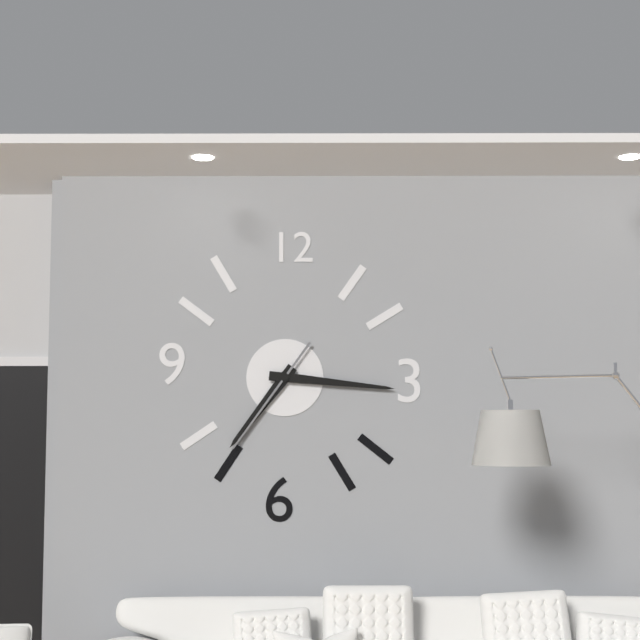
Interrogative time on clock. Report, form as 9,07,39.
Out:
7,16,36
